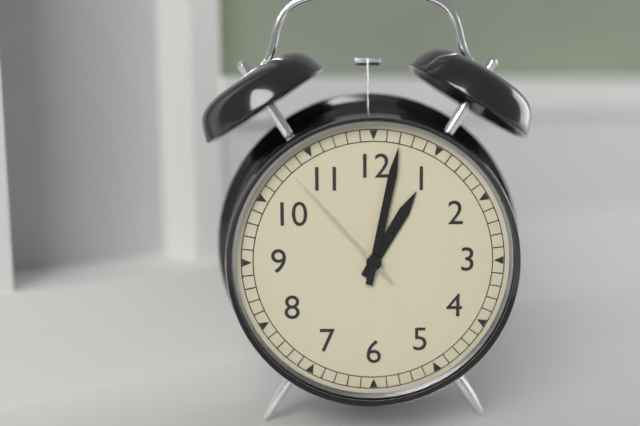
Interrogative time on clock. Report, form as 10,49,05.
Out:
1,02,53
